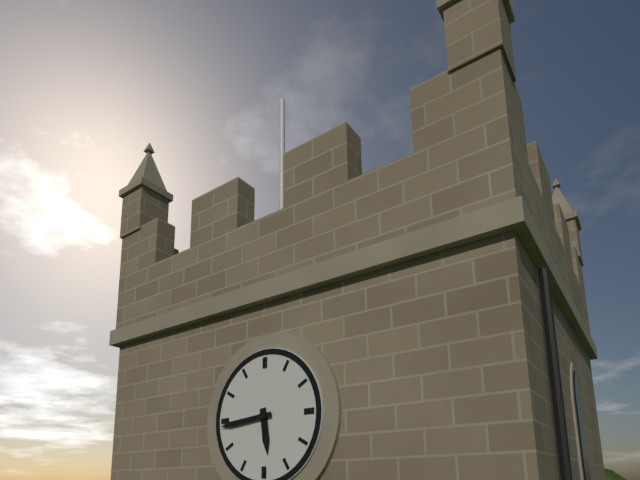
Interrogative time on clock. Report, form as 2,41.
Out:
5,44
